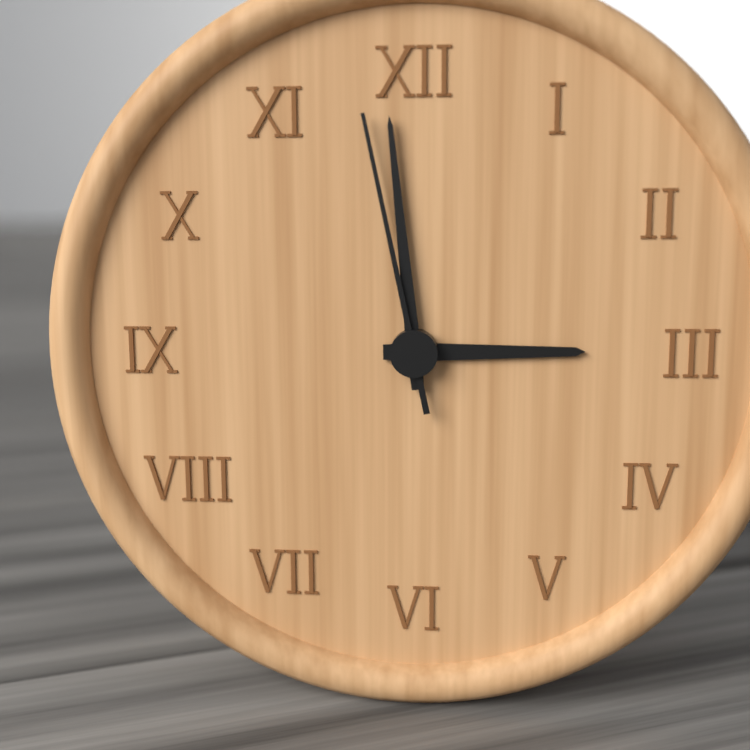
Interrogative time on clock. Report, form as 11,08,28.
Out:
2,59,58
